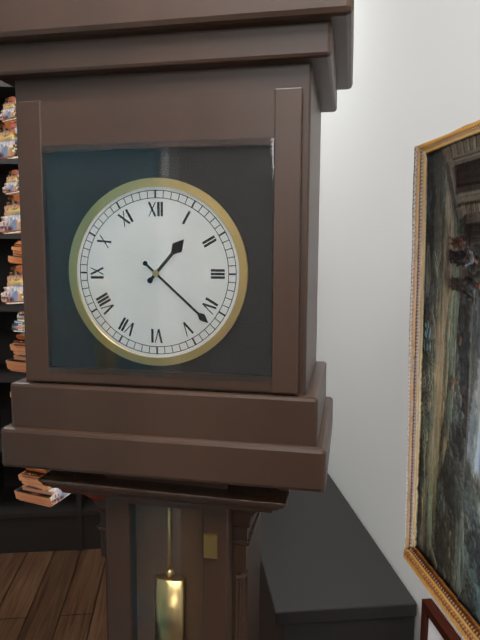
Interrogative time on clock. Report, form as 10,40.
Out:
1,22
